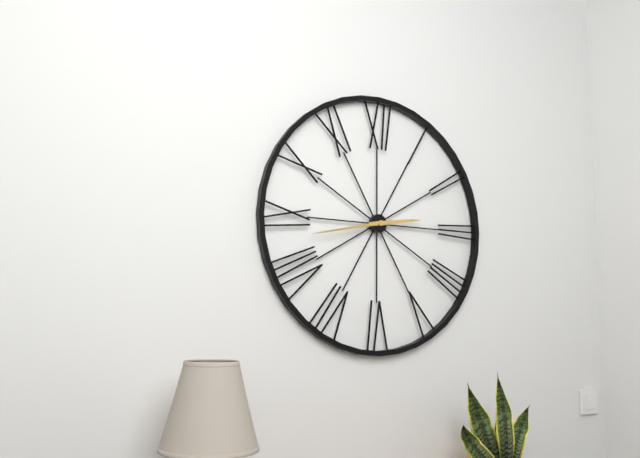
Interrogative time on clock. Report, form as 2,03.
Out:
2,43
